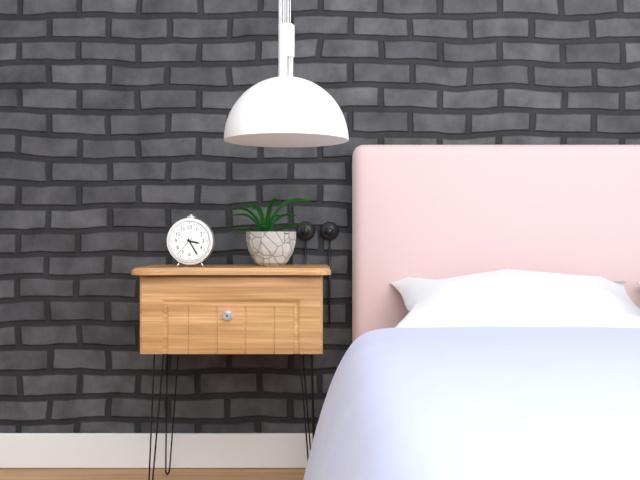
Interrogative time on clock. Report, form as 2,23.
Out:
3,25
